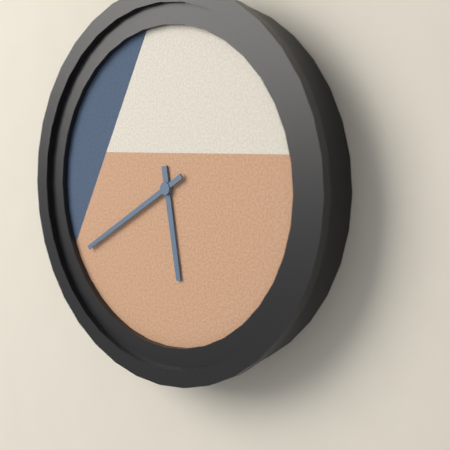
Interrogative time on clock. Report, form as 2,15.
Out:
5,40
